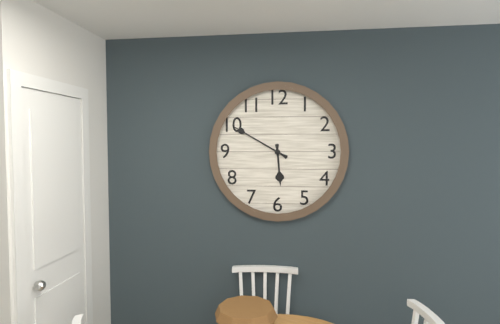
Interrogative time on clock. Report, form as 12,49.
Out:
5,50
